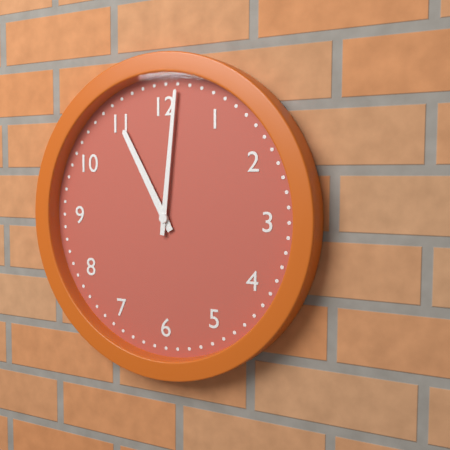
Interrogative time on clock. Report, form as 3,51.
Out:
11,01
